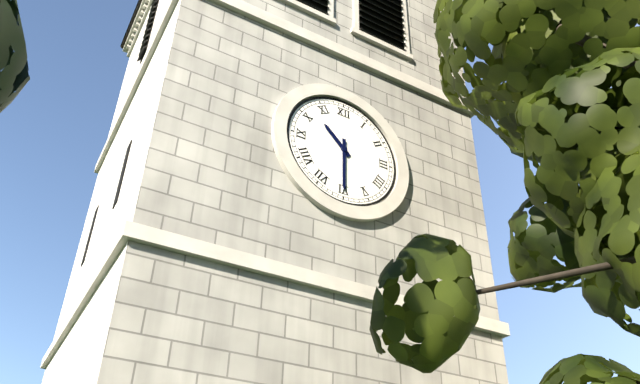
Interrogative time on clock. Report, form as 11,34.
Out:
10,30
